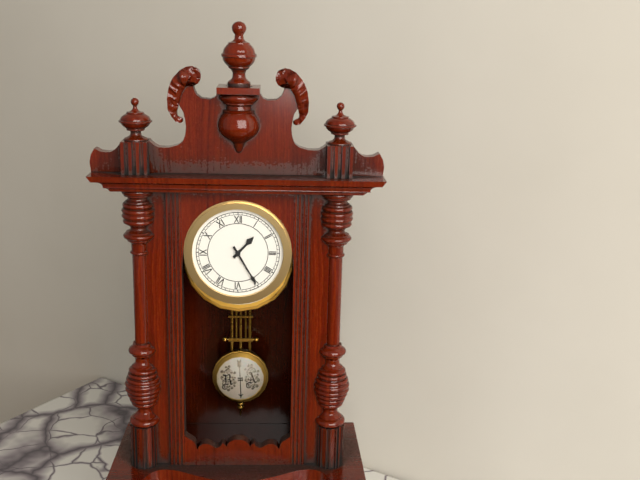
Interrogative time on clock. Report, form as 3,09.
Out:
1,25
